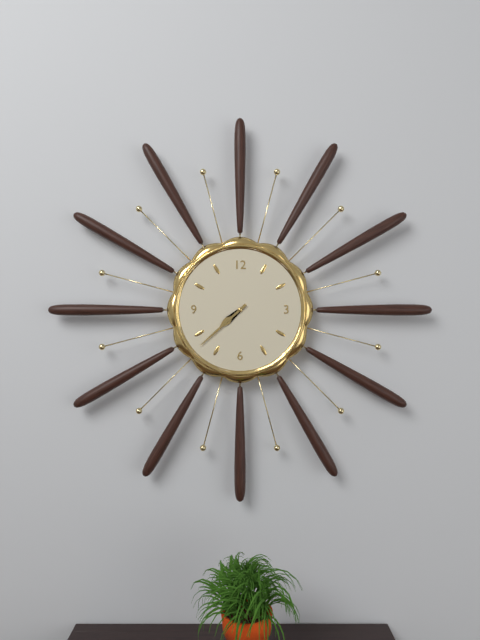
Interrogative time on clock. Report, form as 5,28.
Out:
7,38
